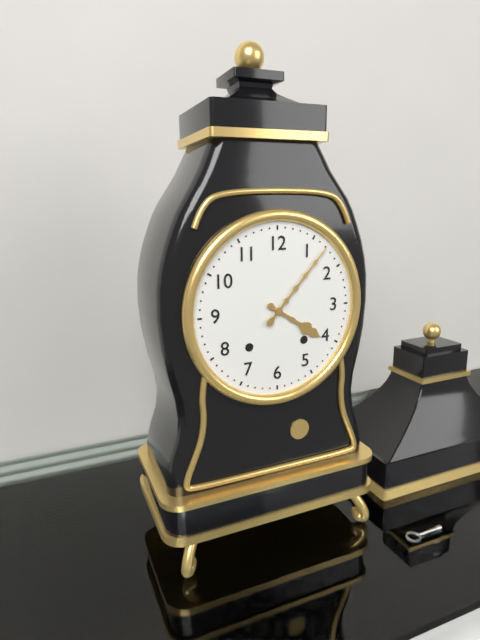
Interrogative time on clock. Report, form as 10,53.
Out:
4,07
